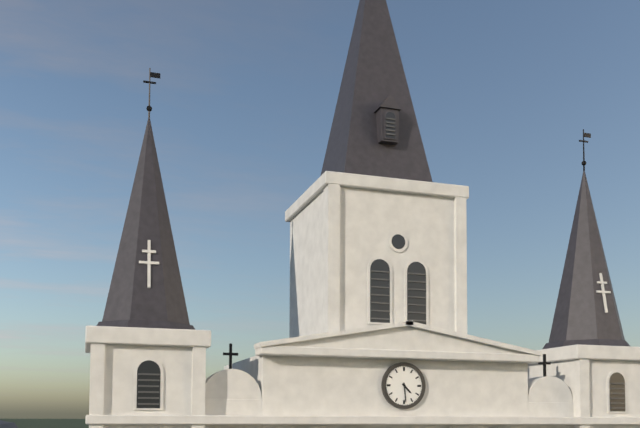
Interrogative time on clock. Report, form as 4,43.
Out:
4,29
